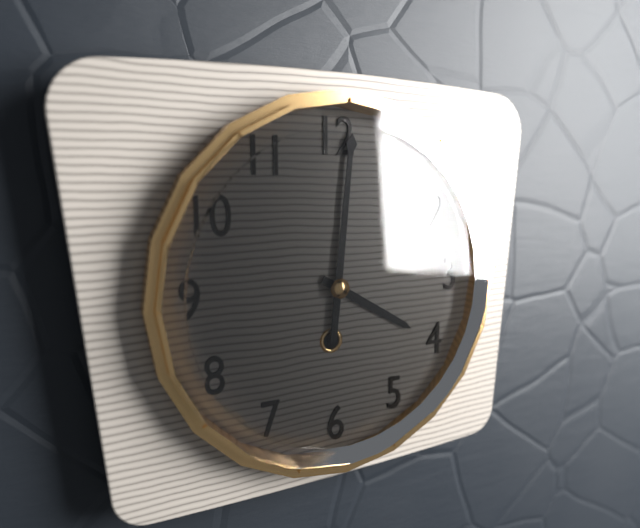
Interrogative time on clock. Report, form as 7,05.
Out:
4,01
